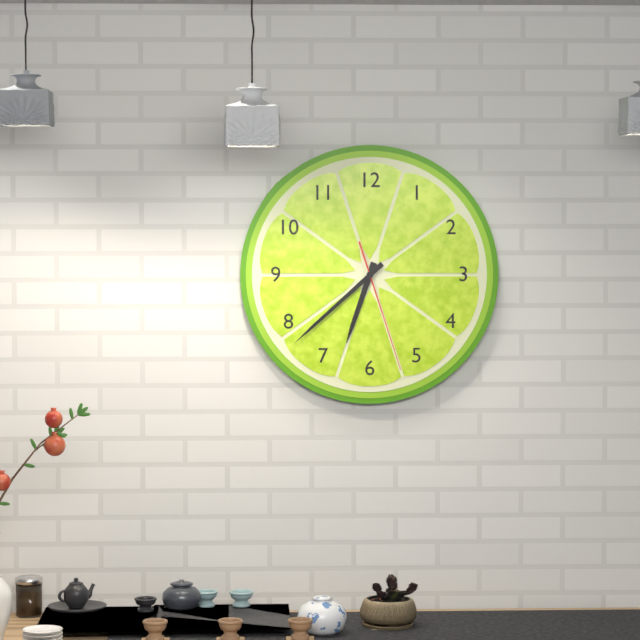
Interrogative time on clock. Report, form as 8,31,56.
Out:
6,38,27
